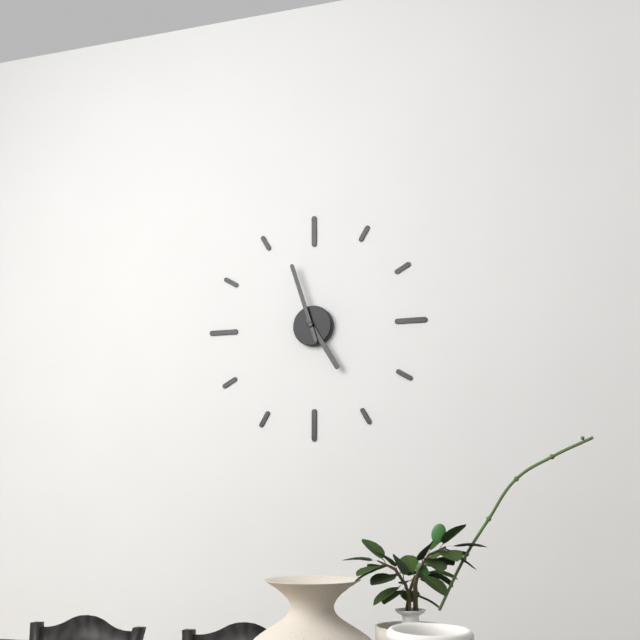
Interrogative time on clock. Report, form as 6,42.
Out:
4,57
